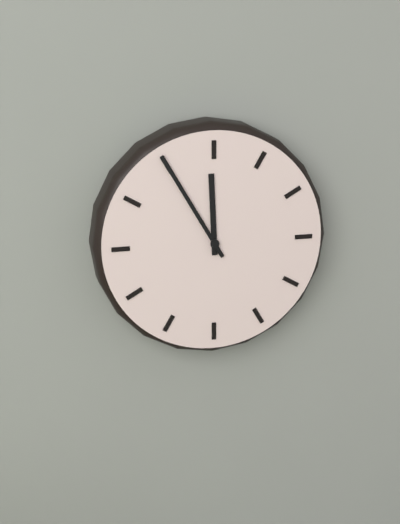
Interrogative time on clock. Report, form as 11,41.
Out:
11,55
